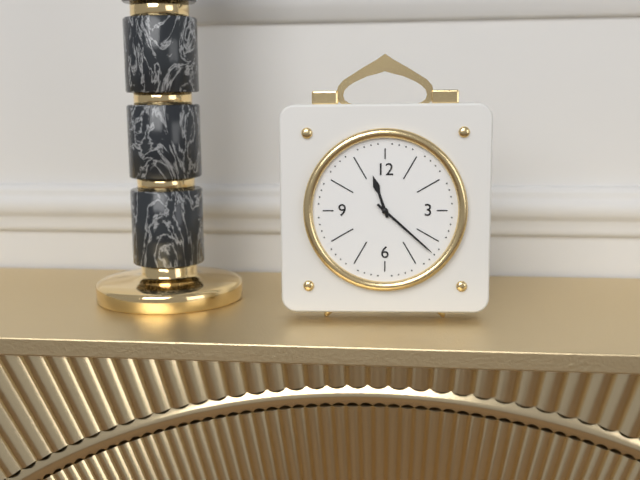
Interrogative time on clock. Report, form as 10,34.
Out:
11,22
